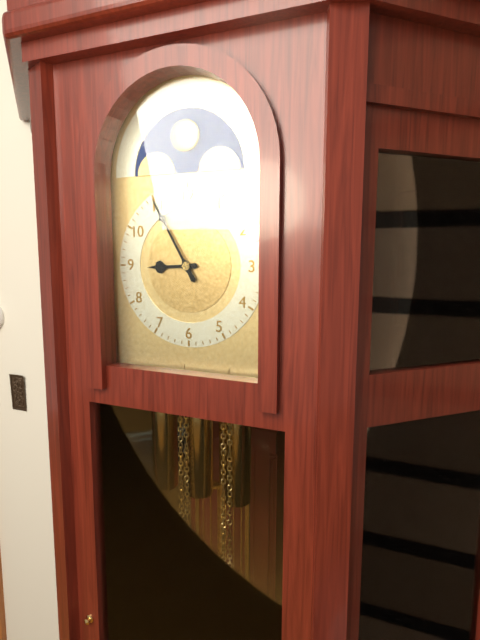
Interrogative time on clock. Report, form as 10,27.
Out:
8,55
